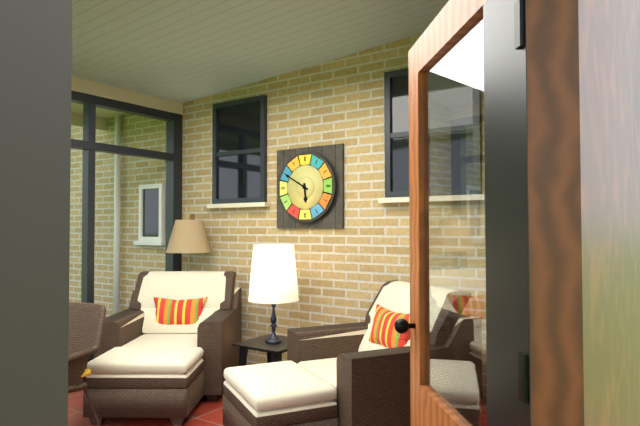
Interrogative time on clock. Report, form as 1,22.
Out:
5,50
